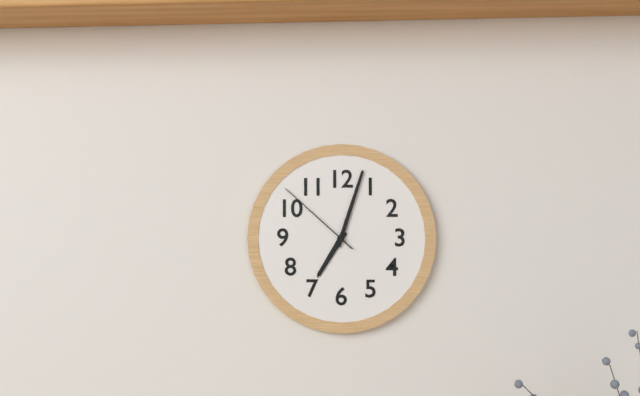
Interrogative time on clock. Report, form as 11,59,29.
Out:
7,03,52
